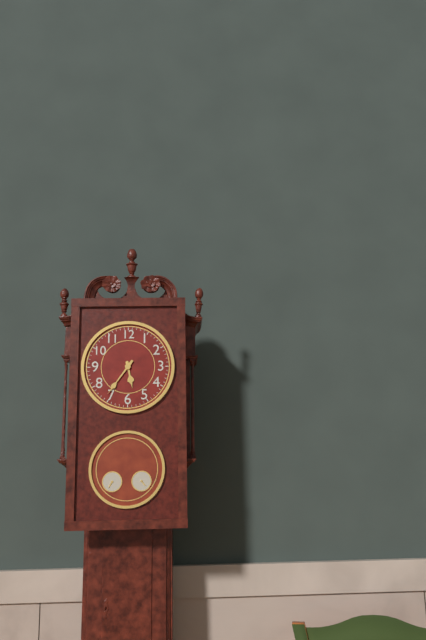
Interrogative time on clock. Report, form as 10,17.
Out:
5,36
